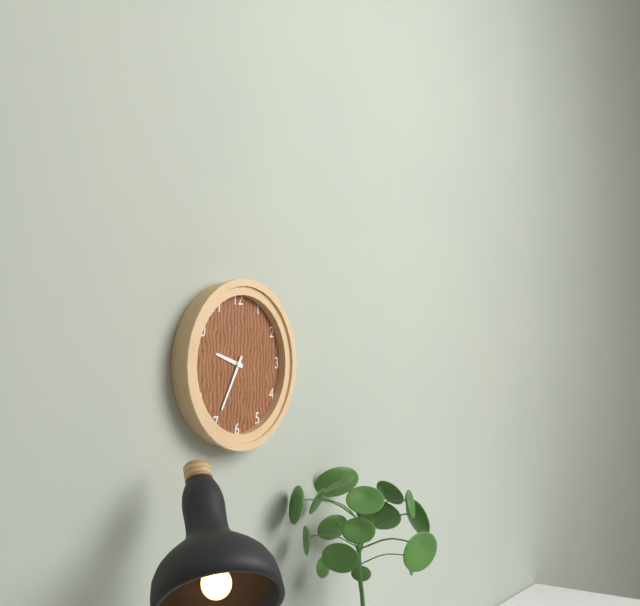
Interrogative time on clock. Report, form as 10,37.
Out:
9,35
